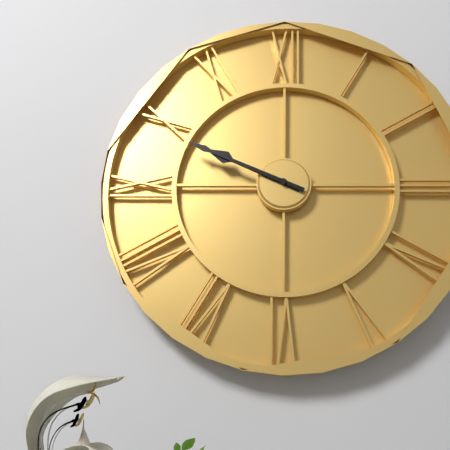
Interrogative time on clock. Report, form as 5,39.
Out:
9,49
